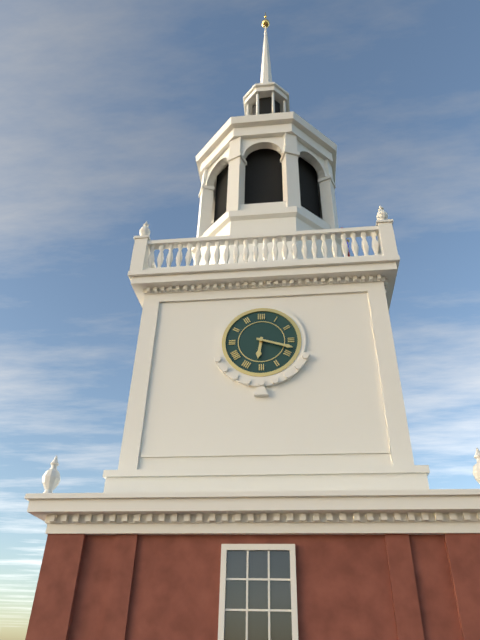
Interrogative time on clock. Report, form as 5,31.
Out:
6,18
